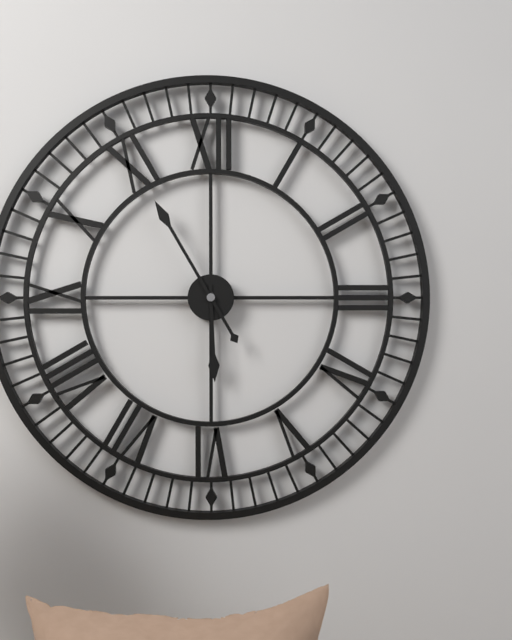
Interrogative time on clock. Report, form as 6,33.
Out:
5,55
